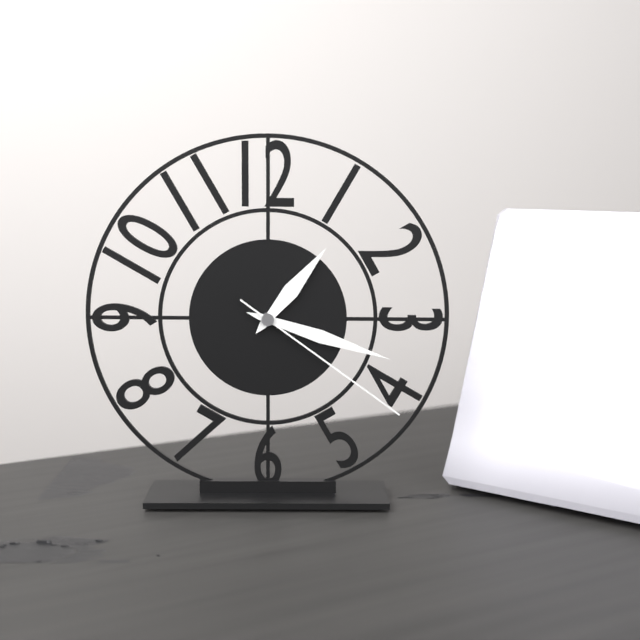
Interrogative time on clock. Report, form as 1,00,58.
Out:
1,18,21
